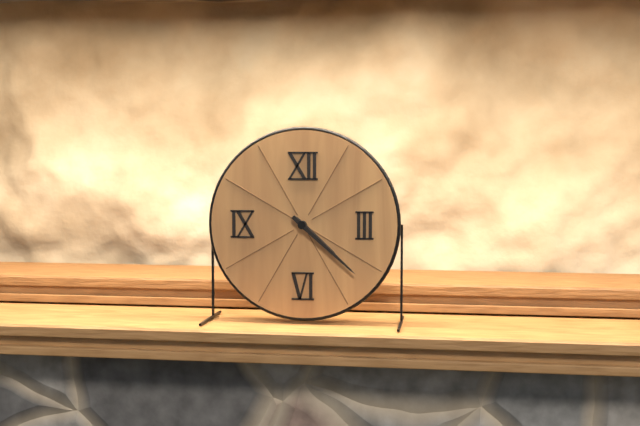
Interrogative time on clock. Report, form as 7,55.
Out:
4,22
